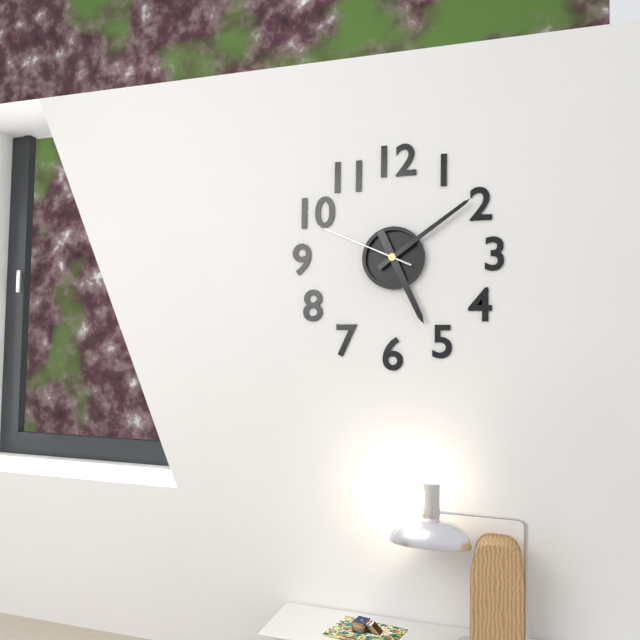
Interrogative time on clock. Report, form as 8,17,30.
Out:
5,09,49
